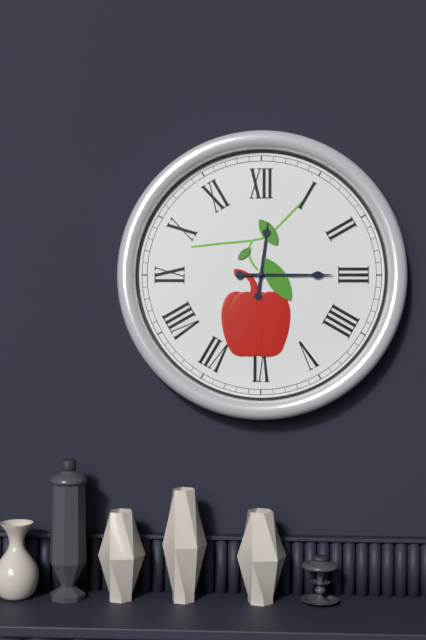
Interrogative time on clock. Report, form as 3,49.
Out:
12,15
